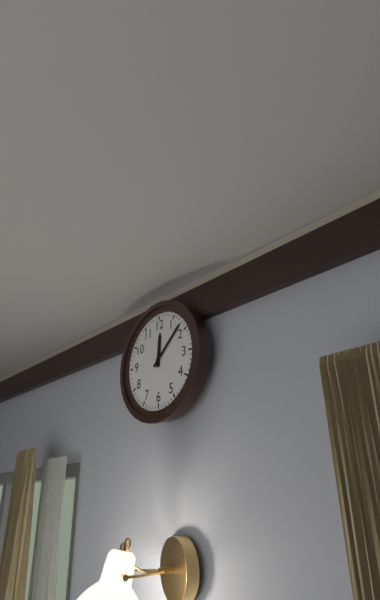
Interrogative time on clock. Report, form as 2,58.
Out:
12,08
